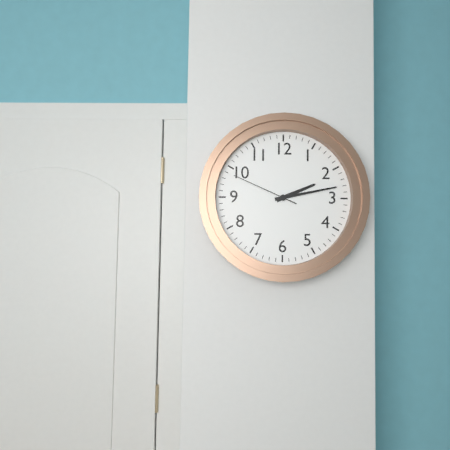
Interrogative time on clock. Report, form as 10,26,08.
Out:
2,13,49
